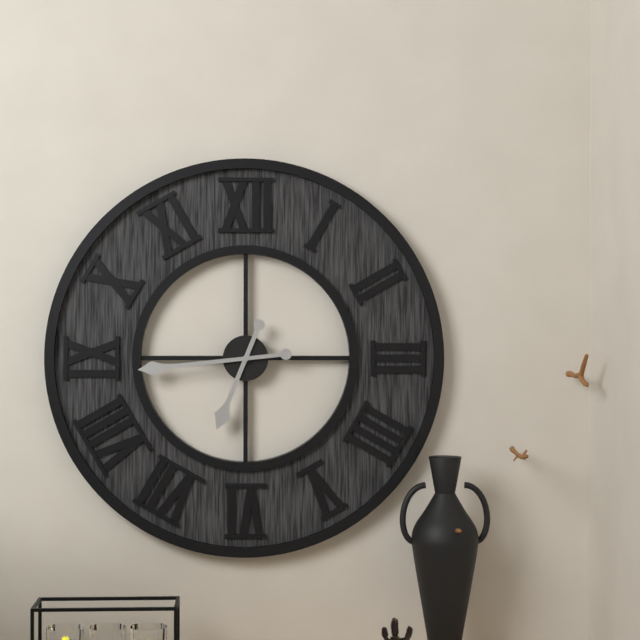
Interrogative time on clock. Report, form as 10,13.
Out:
6,44
